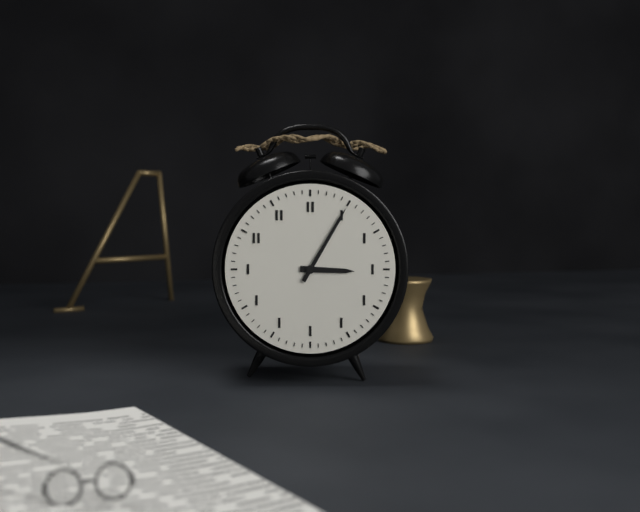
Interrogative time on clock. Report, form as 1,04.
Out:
3,05
